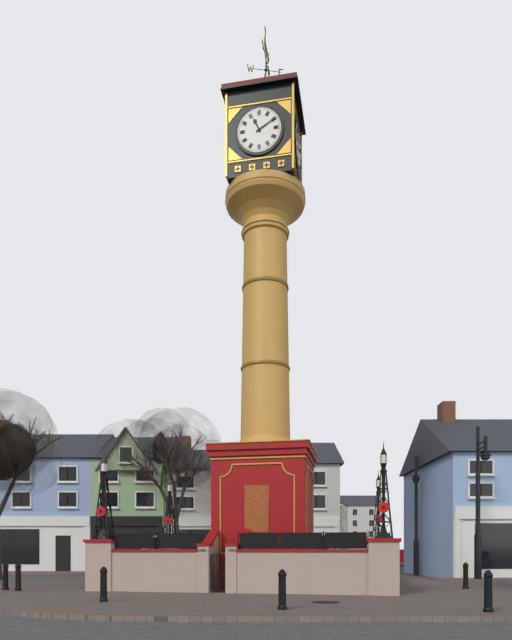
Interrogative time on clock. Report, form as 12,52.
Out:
11,10
